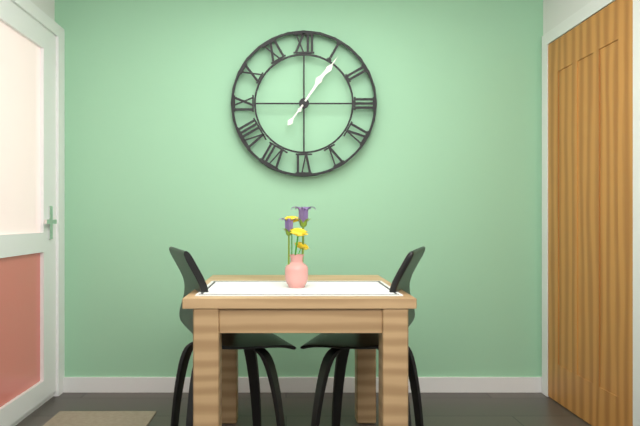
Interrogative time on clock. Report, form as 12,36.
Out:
1,06
